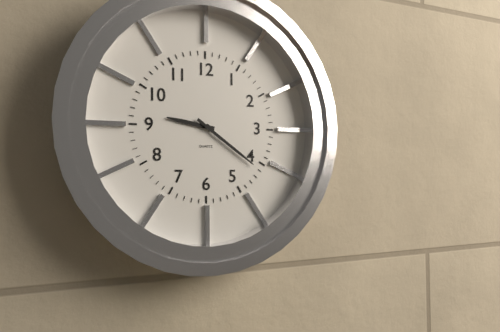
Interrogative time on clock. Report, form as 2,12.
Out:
9,21
